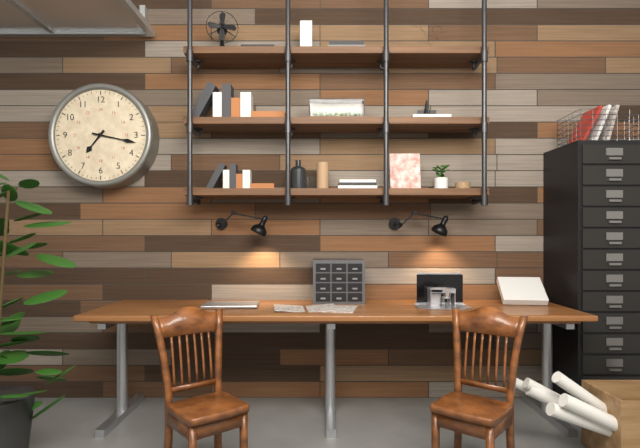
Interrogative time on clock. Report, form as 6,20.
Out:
7,17
